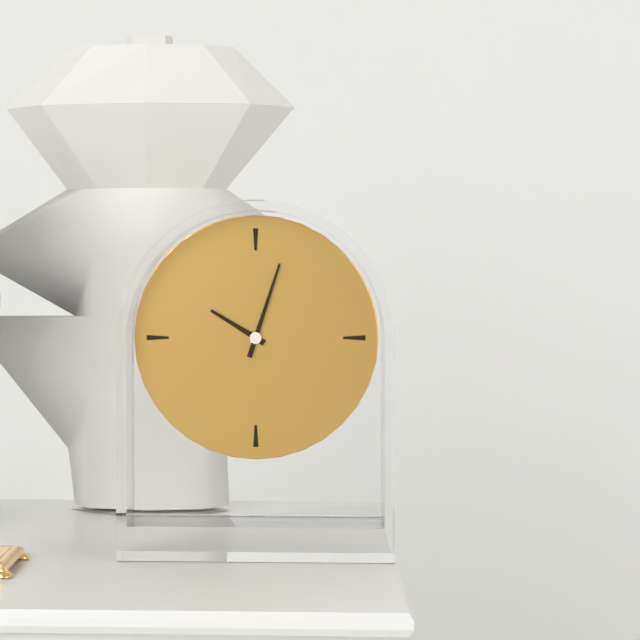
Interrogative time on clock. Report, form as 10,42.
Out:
10,03
